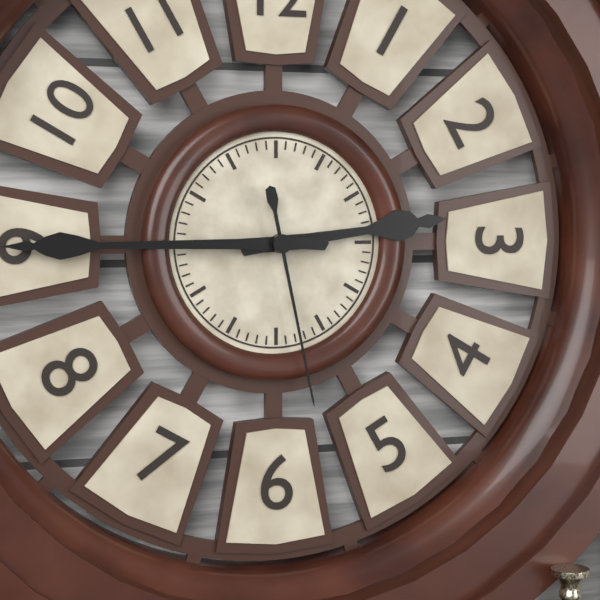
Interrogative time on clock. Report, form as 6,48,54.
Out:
2,45,28
